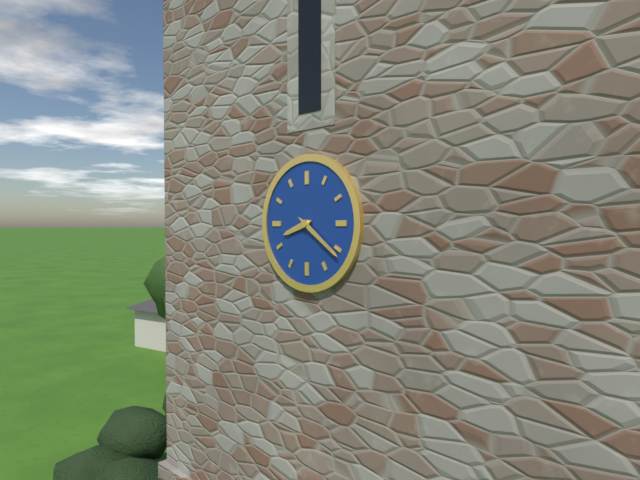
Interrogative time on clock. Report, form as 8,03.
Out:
8,21
